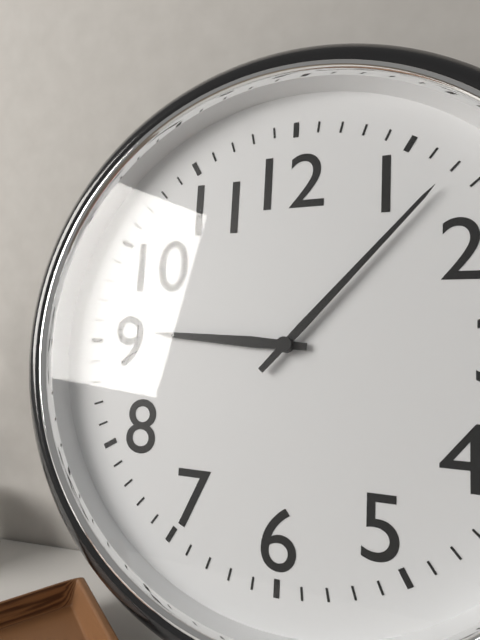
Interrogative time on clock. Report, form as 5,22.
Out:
9,07
